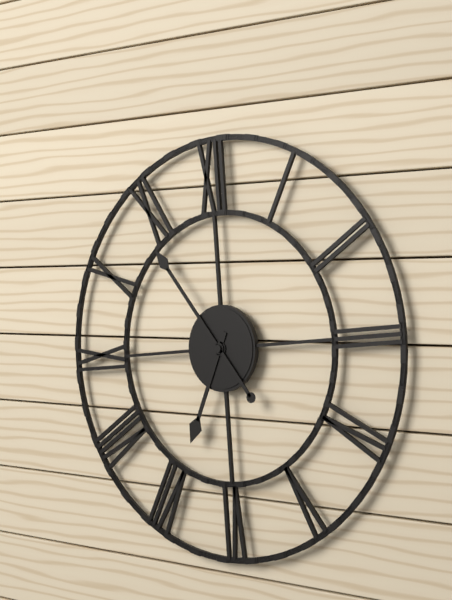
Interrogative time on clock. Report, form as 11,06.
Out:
6,54
